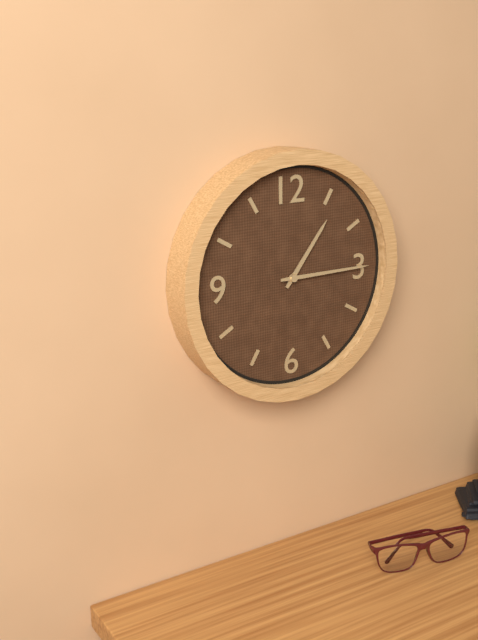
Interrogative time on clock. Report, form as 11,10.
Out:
1,15
